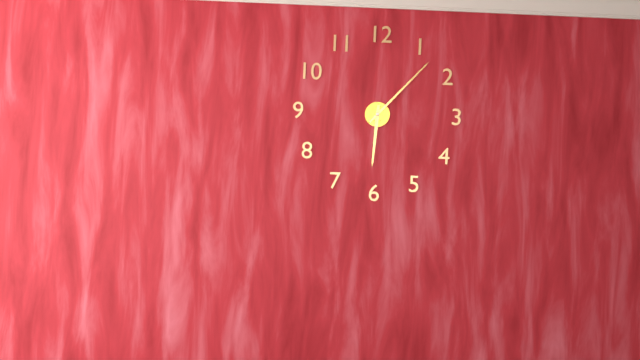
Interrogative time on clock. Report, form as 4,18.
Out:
6,07
